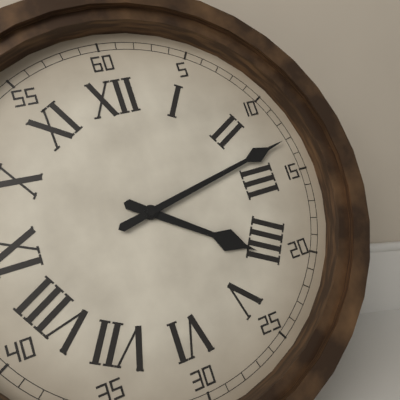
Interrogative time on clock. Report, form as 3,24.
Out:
4,13
